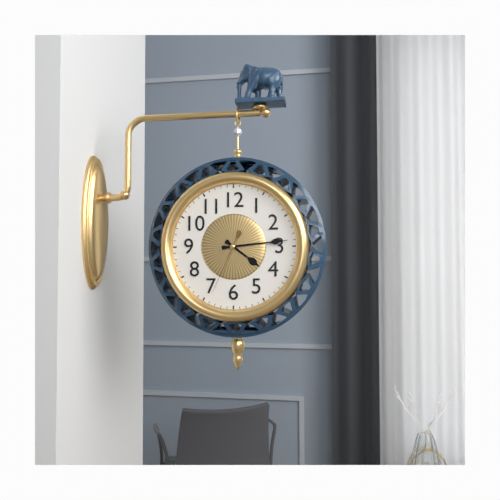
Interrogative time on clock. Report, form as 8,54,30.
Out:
4,14,34
